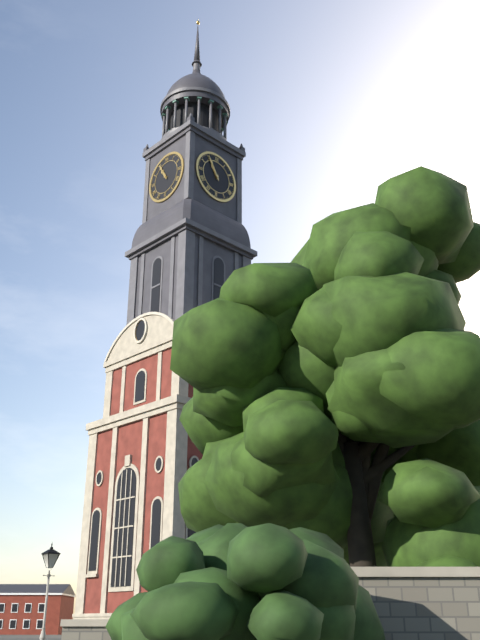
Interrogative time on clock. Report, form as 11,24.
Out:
10,55
